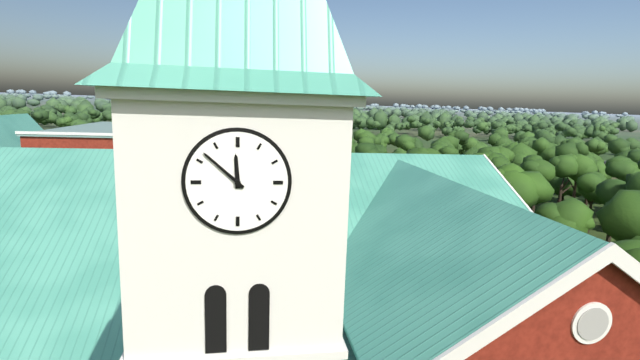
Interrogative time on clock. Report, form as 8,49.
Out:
11,52
